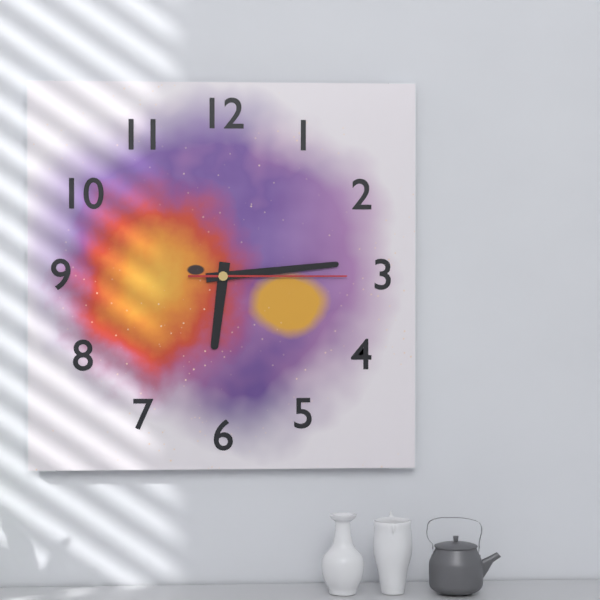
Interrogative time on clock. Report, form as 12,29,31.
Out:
6,14,15
